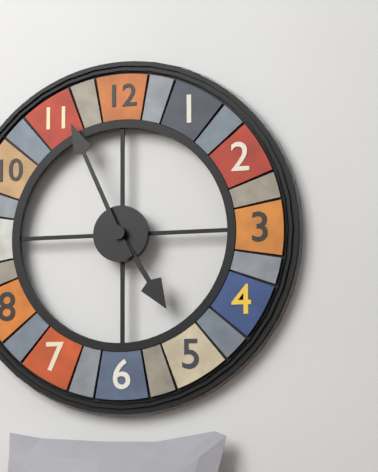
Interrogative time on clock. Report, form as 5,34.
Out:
4,56
